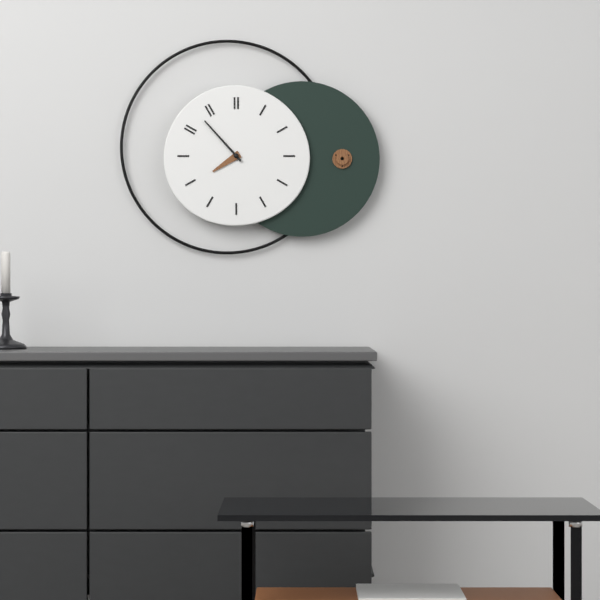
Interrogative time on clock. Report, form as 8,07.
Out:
7,53
